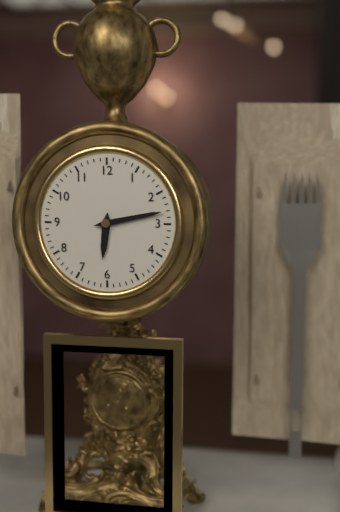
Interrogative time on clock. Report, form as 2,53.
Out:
6,13
